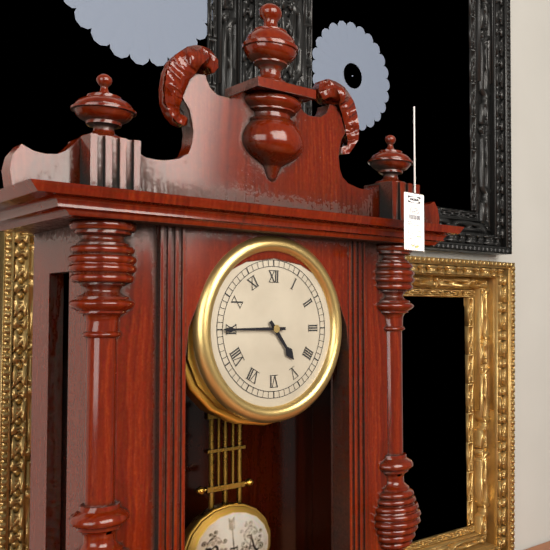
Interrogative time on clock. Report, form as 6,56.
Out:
4,45
